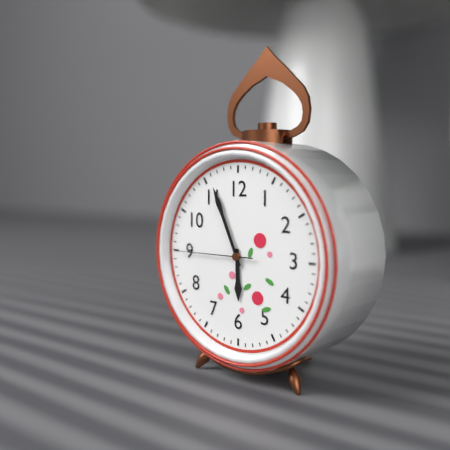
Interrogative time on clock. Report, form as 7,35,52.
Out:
5,56,45
